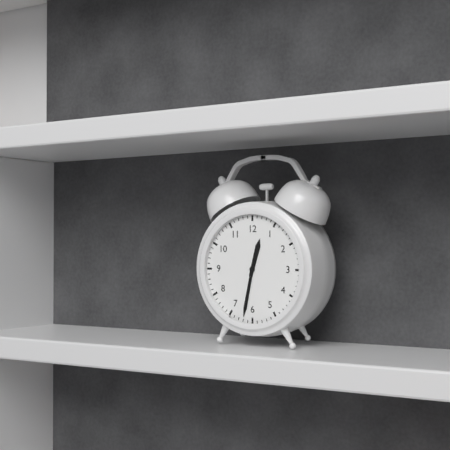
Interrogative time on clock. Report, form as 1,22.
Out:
12,32
